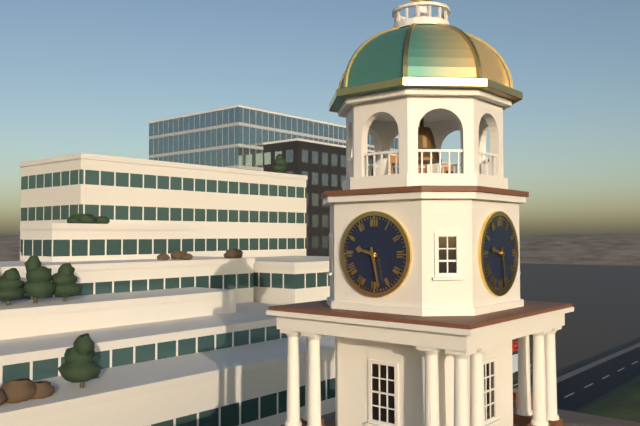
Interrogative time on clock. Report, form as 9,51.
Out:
9,28
